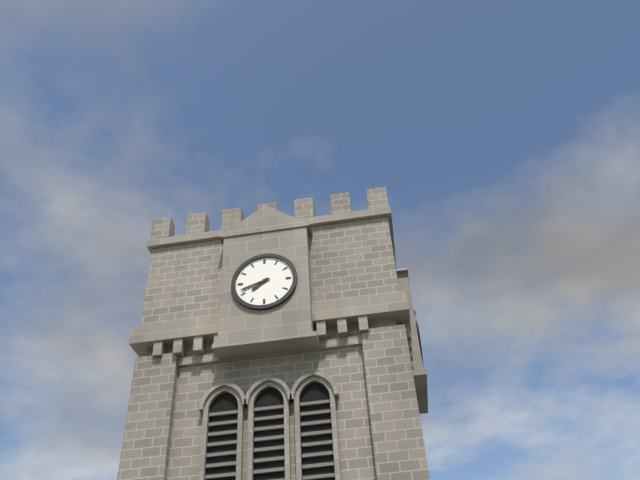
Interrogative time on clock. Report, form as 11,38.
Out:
7,42
